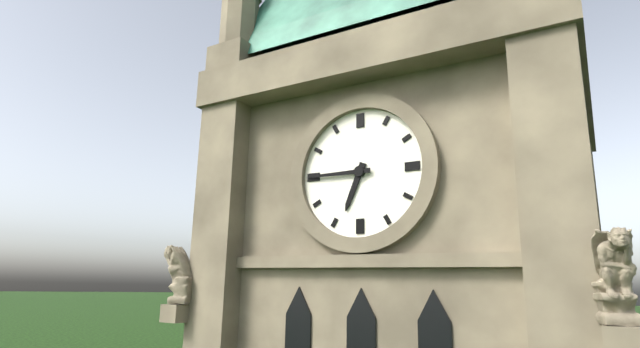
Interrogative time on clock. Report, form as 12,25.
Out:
6,45
